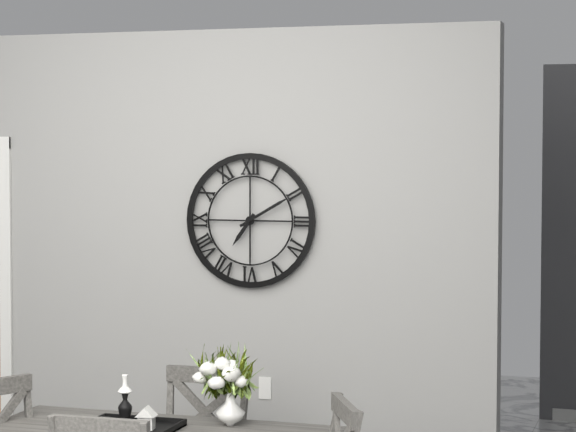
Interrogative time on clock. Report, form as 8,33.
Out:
7,10
